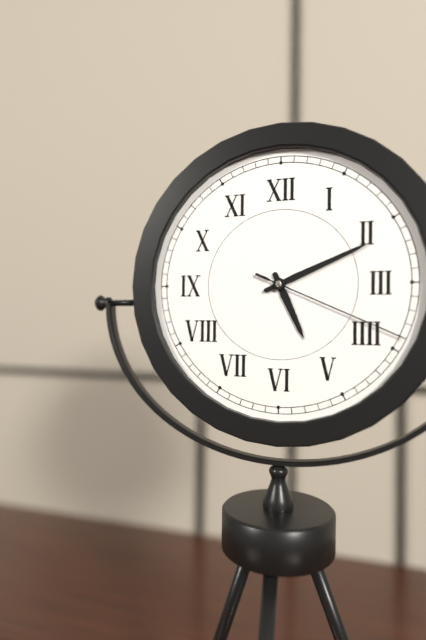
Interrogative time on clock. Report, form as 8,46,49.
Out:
5,11,19
